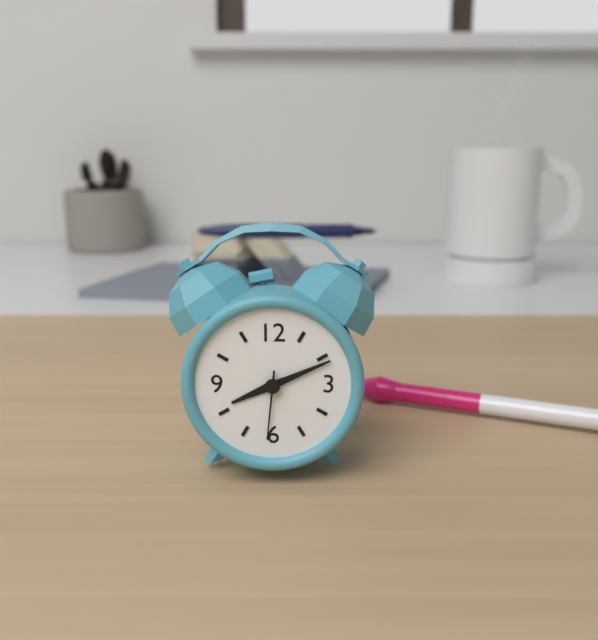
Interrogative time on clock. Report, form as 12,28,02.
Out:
8,11,31
